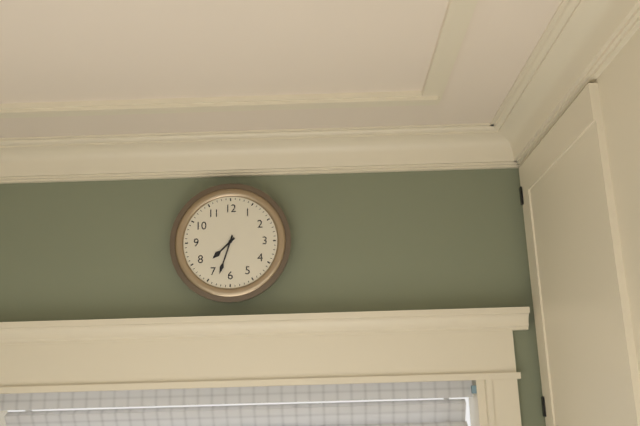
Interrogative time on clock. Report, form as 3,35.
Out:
7,33
